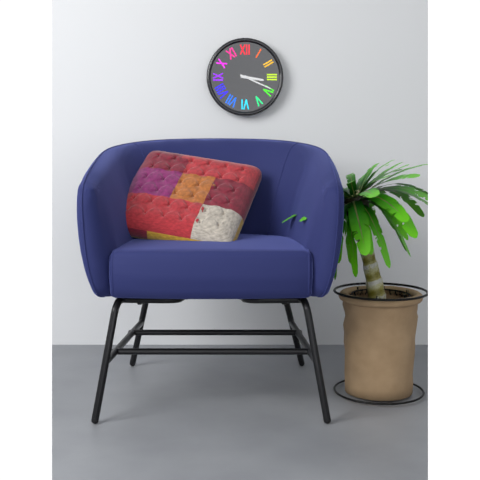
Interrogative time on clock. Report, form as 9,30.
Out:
3,19
